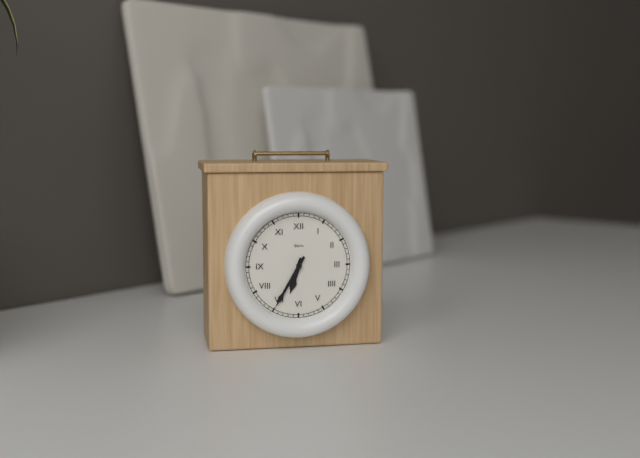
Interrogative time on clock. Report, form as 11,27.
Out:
6,35
